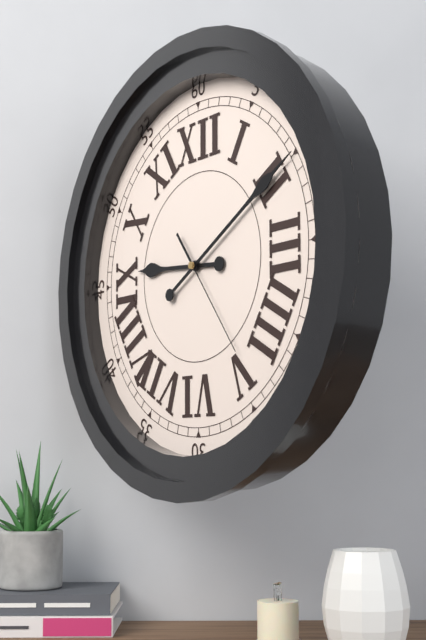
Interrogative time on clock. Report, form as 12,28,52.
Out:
9,10,24
